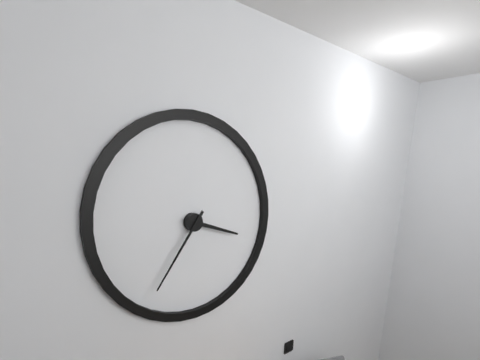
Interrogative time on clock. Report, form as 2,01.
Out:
3,36
